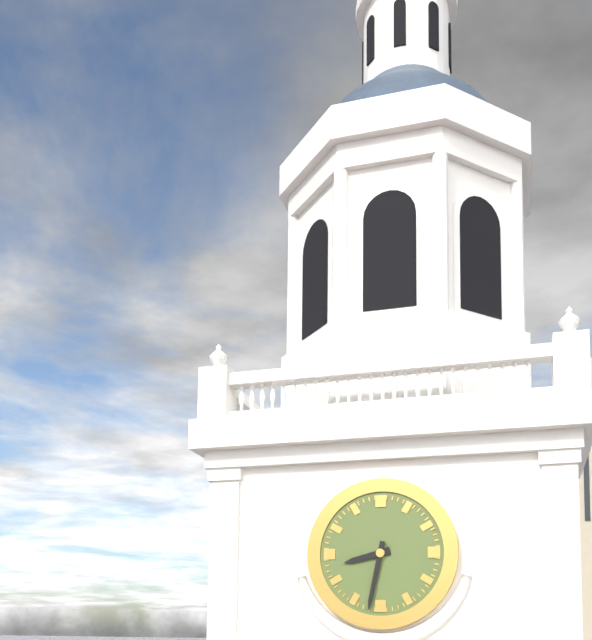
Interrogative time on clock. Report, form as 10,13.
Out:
8,32
